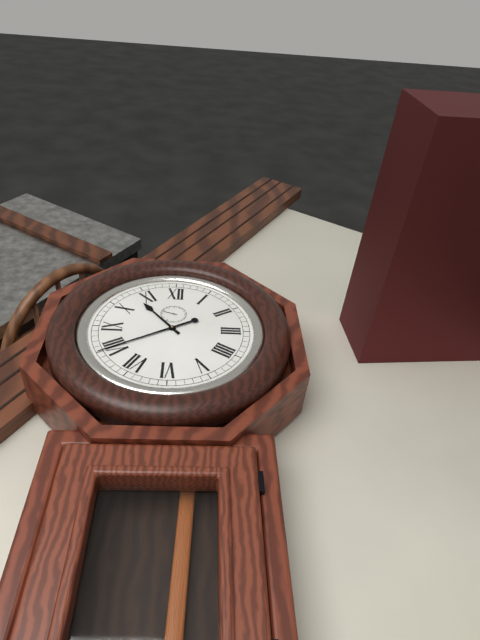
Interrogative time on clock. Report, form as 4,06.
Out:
10,40
